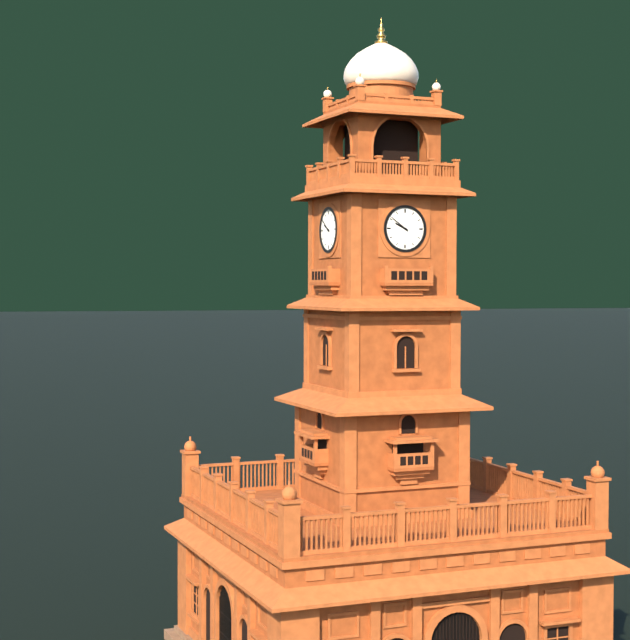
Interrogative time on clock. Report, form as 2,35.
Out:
9,51
